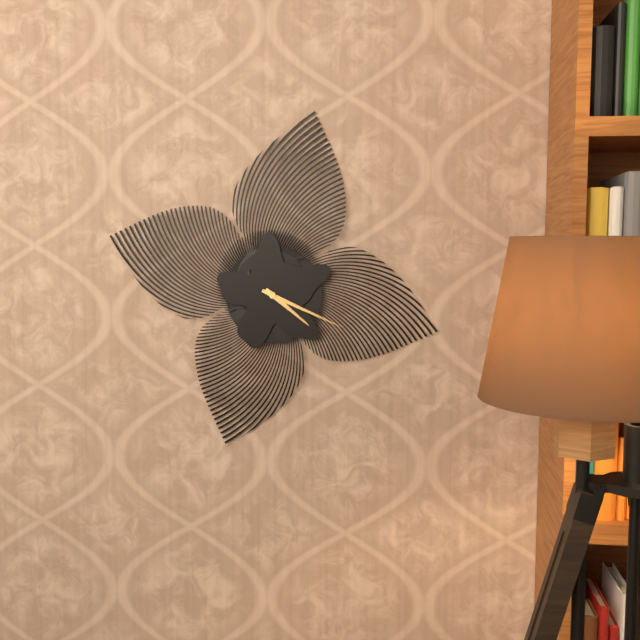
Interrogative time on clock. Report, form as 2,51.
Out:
4,19
